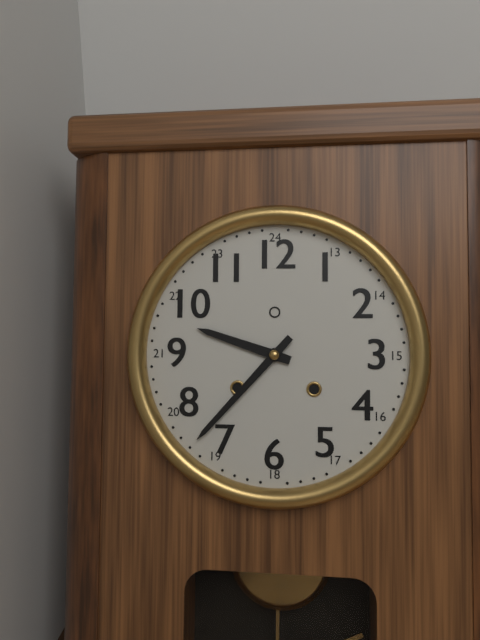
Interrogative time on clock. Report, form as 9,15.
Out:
9,37
